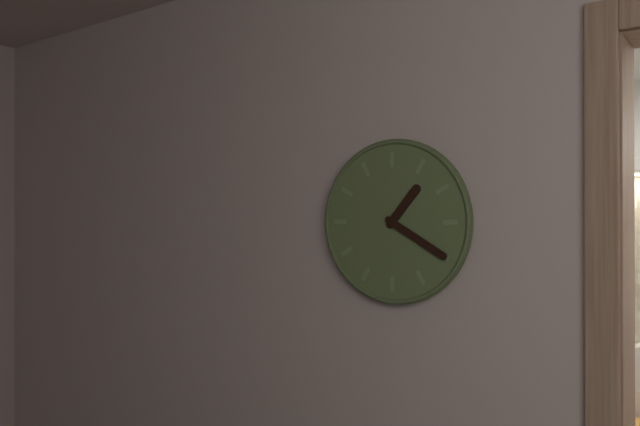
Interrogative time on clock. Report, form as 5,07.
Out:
1,20
